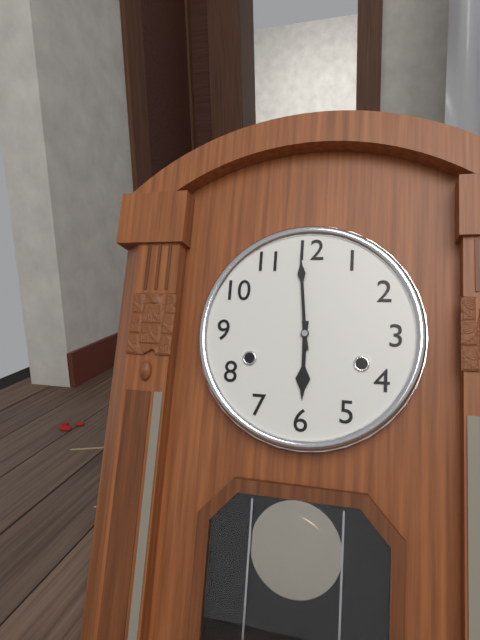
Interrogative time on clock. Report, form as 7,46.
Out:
5,59
